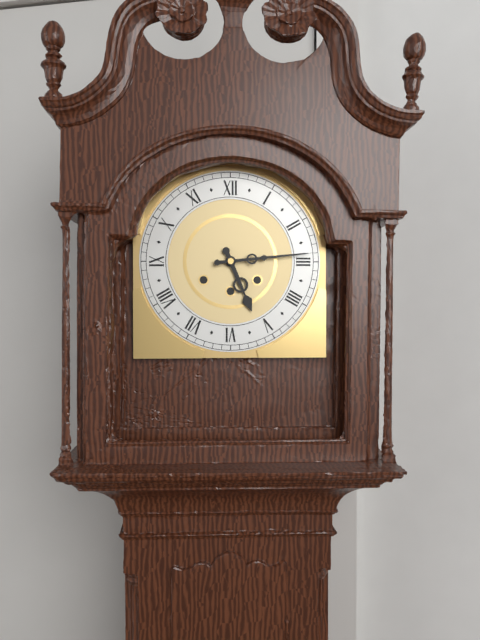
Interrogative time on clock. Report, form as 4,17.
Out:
5,14
